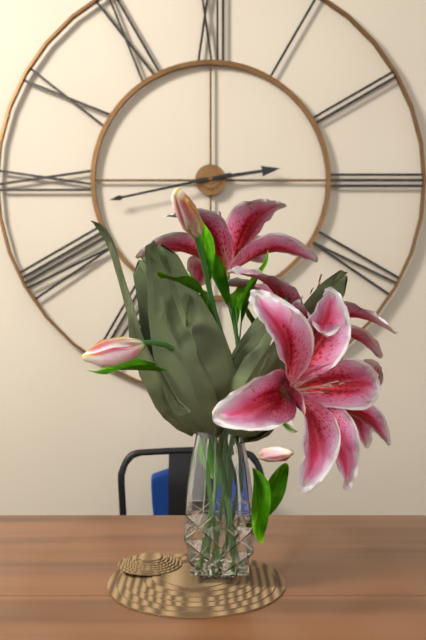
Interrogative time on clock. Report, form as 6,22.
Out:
2,43
